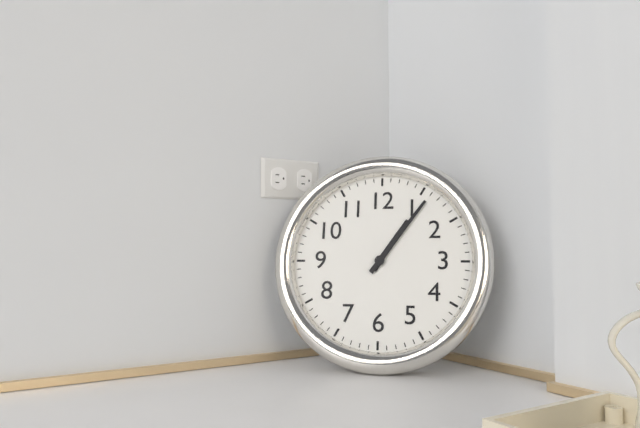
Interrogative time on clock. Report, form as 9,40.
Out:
1,06
